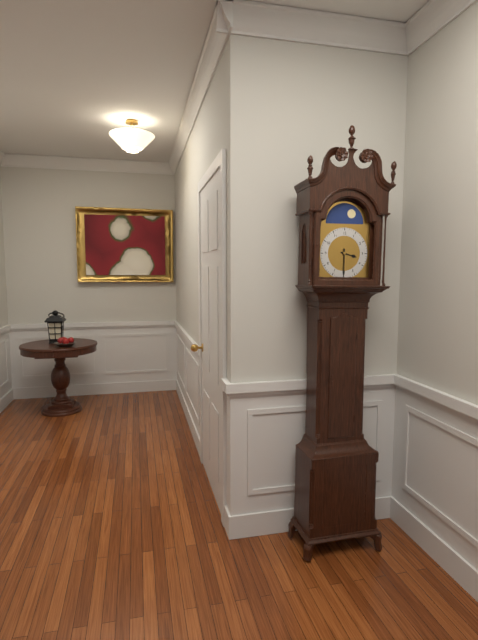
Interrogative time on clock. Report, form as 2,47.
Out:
3,30
